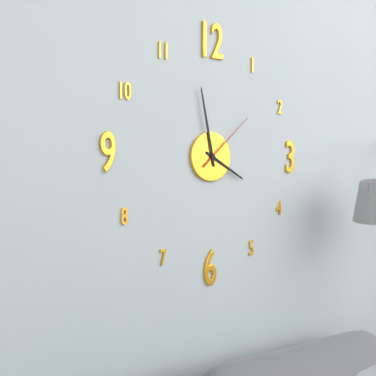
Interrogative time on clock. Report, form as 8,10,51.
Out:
3,58,08
